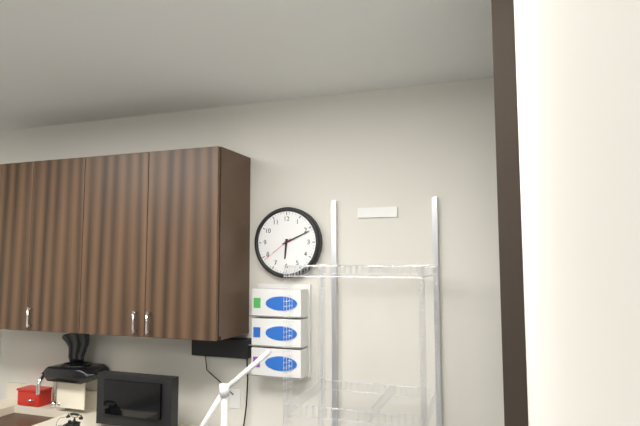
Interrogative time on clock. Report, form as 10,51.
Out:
6,11
